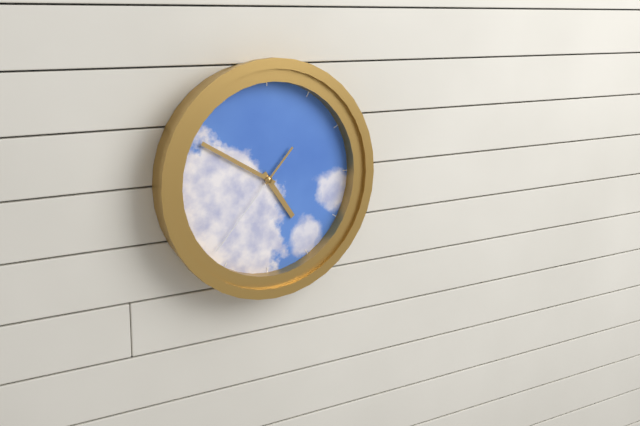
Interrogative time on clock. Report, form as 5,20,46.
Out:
4,50,37
